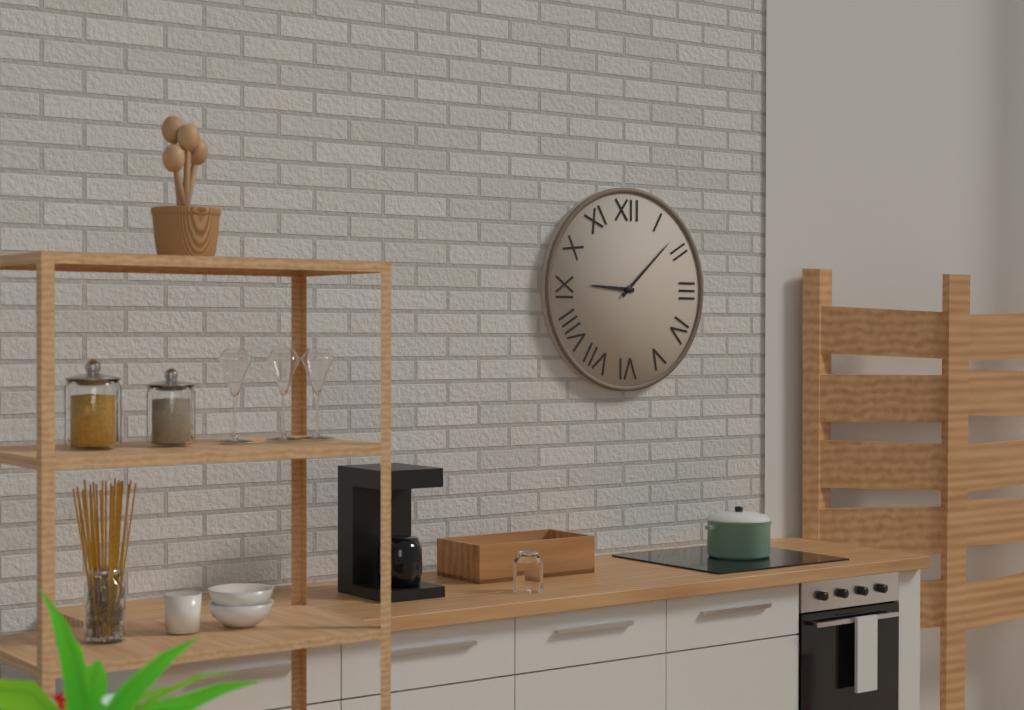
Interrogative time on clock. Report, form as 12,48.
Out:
9,08
